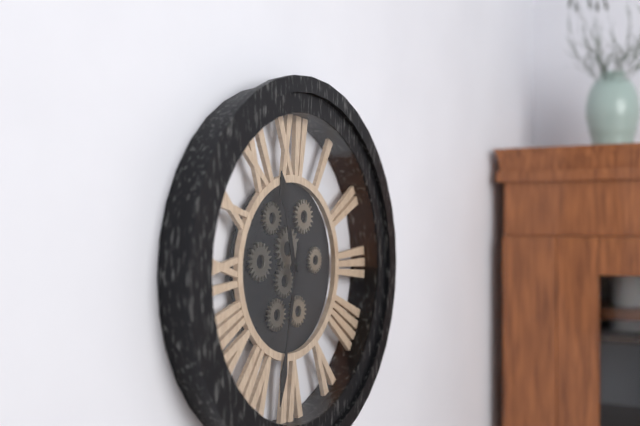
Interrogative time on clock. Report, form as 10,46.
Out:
11,32
